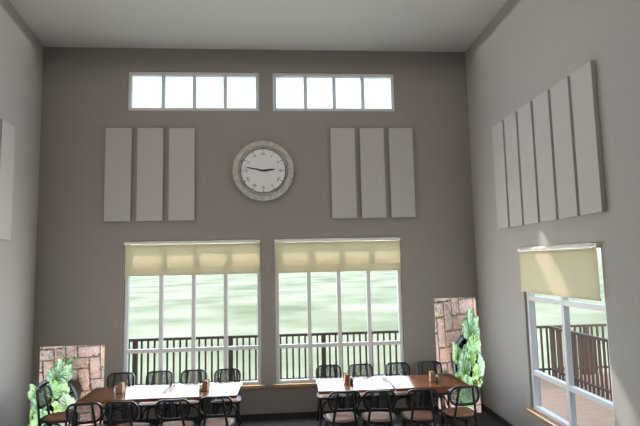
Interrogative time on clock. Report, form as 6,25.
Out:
2,47
